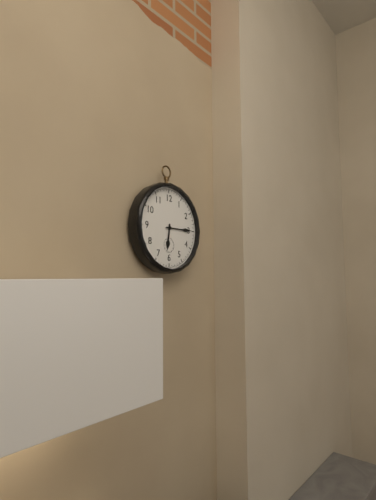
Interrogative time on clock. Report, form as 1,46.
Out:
6,15
